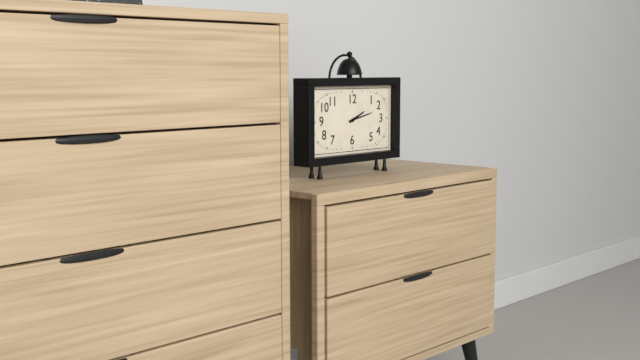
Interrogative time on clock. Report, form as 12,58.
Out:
2,13
